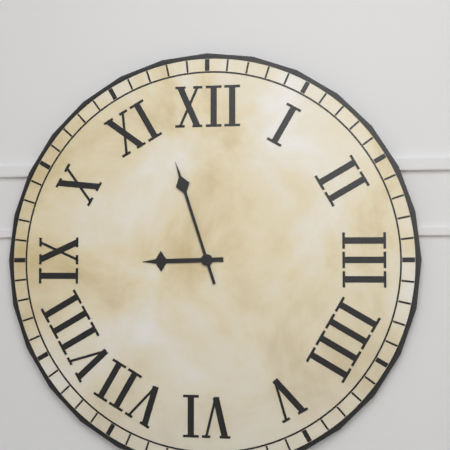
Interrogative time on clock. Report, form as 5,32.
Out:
8,57
